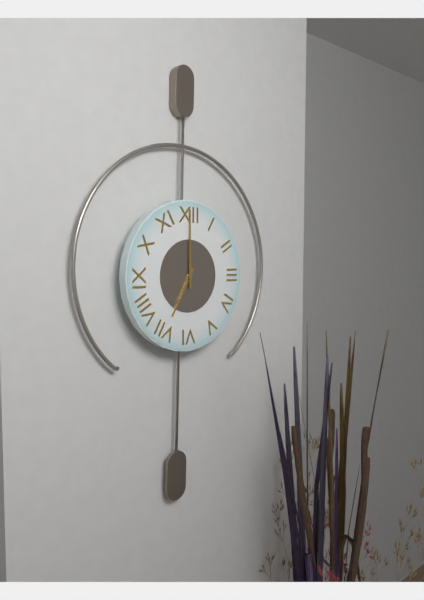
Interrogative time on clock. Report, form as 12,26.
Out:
7,00
